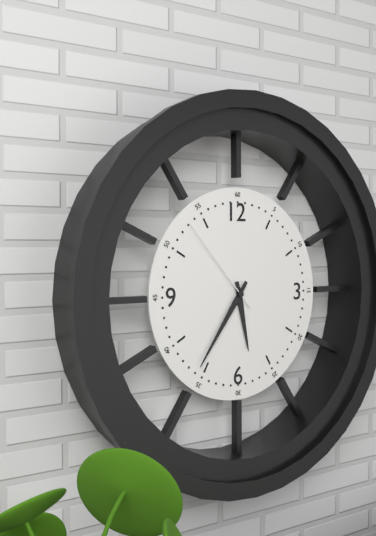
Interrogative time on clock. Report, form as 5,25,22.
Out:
5,36,53
